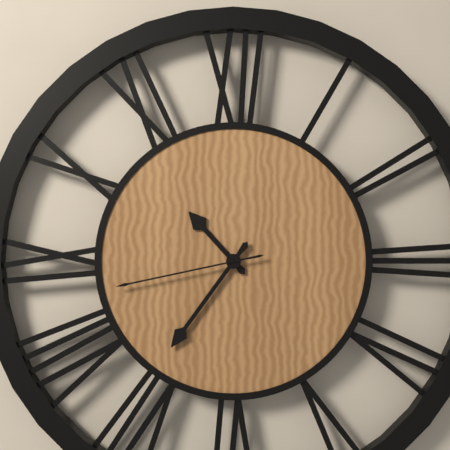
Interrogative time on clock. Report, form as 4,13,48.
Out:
10,36,43
